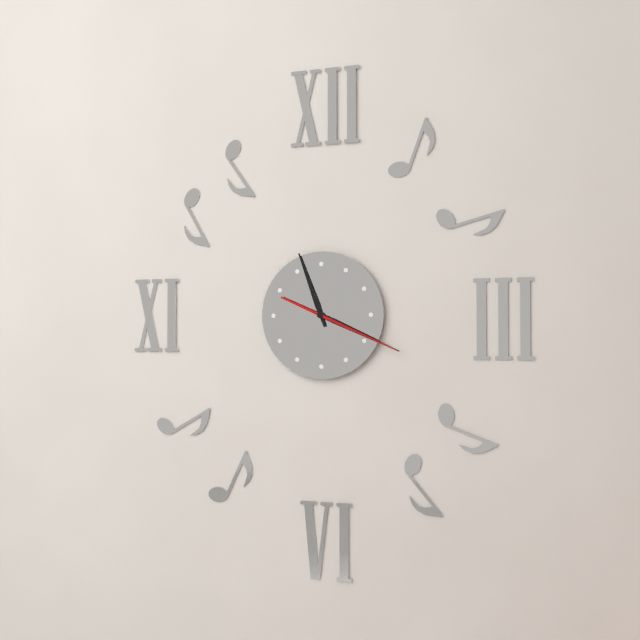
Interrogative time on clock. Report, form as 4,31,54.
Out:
11,19,19
